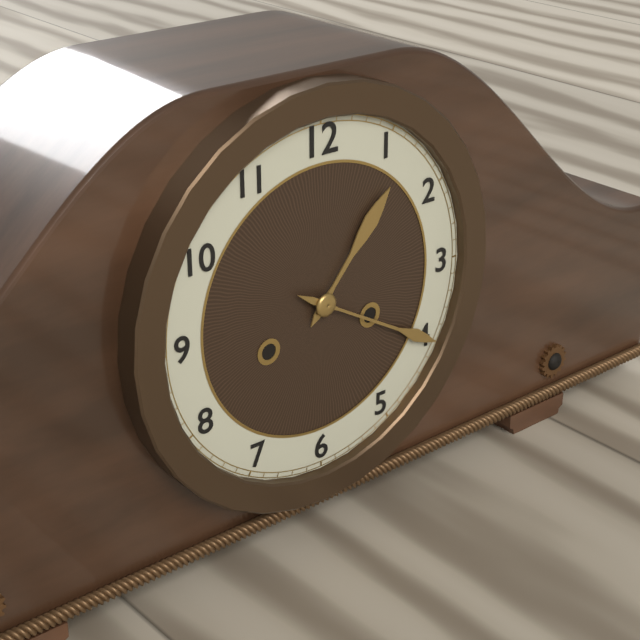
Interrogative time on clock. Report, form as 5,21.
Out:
1,20
